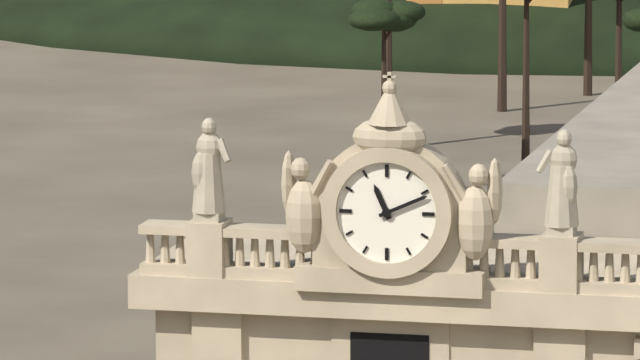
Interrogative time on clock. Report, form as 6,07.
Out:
11,11
